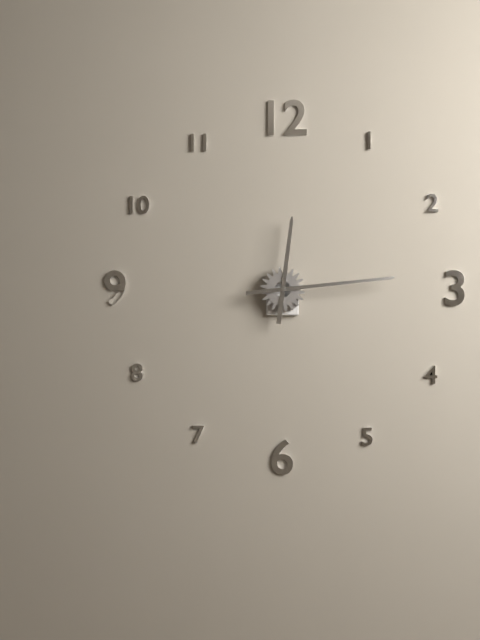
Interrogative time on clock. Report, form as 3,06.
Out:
12,14
